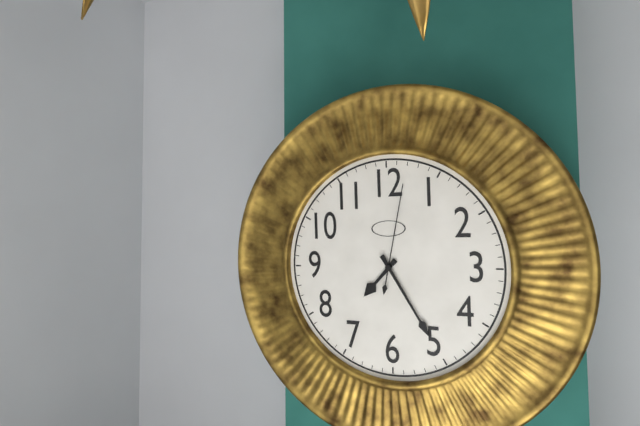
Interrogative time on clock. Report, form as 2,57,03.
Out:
7,25,02
